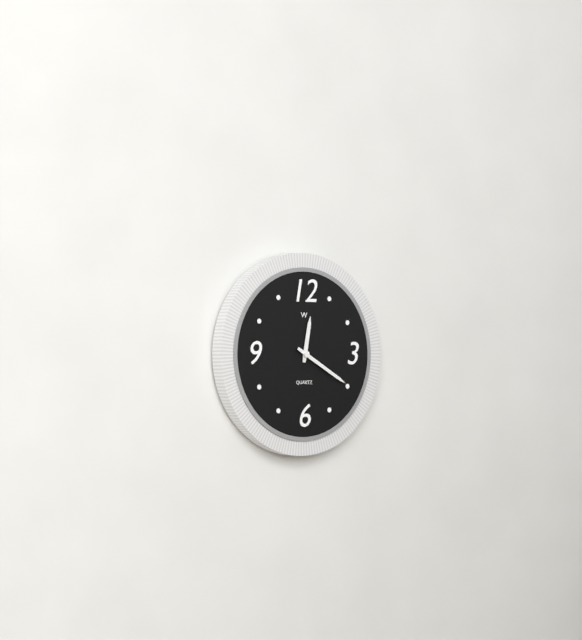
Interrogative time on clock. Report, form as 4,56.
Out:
12,20
